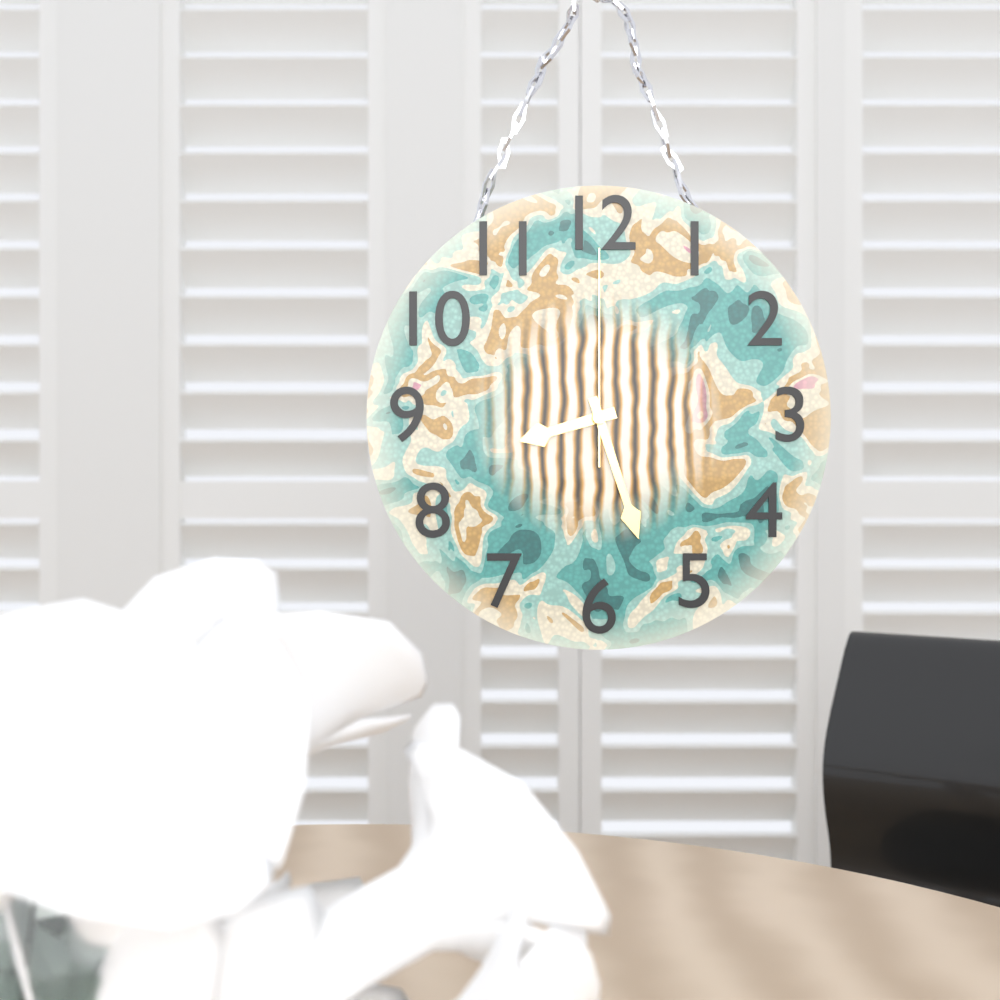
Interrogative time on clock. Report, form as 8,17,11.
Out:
8,27,00
